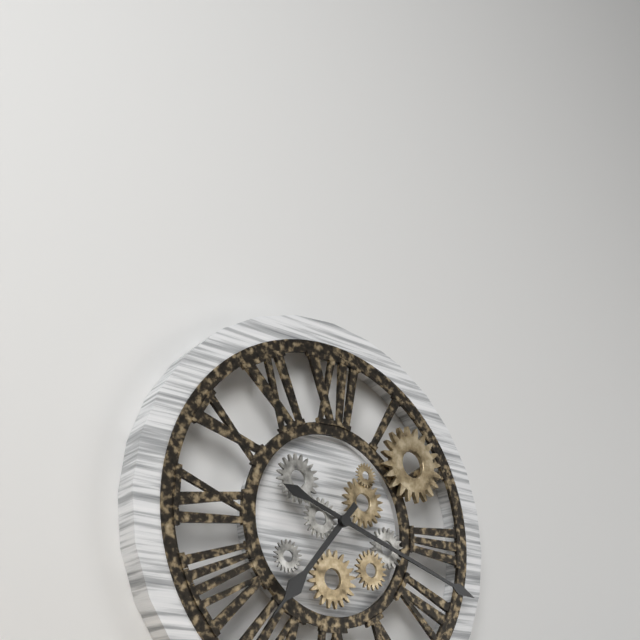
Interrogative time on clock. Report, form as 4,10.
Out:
7,18
